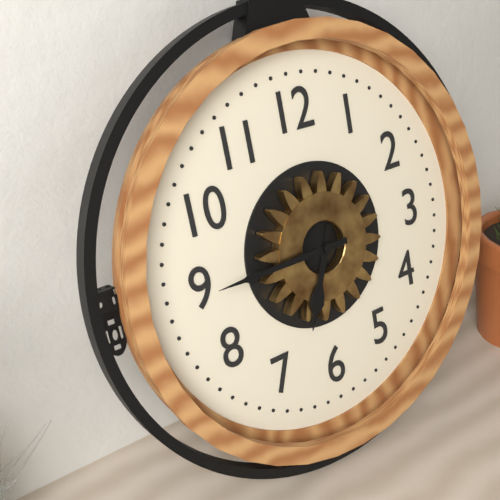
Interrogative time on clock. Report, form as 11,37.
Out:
6,45
